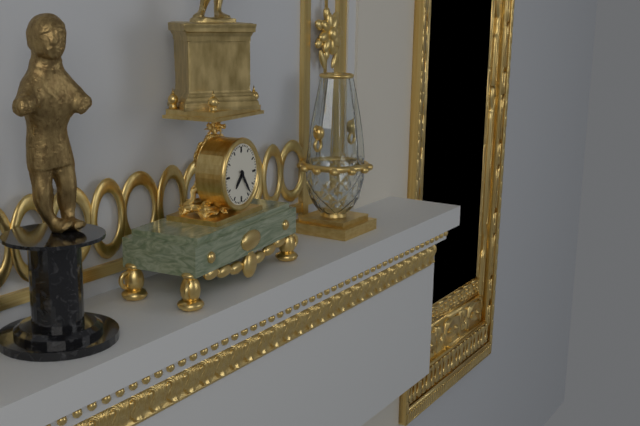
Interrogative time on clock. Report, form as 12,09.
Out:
7,24
